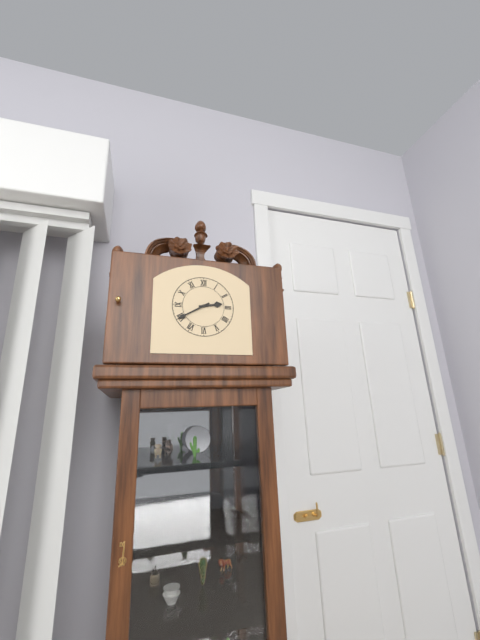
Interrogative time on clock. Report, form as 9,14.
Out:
2,40
